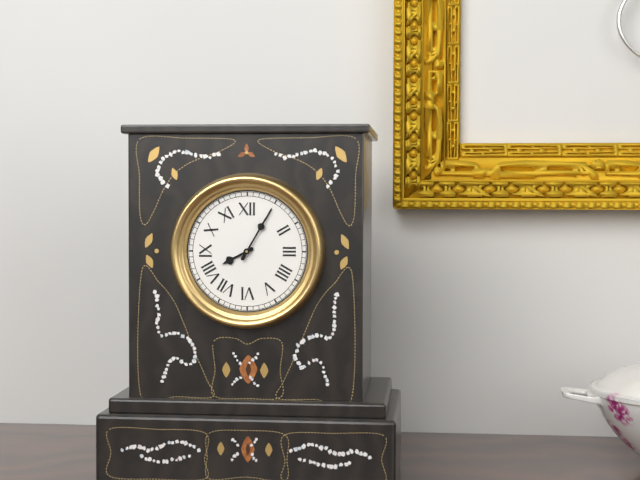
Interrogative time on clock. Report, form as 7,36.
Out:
8,05
